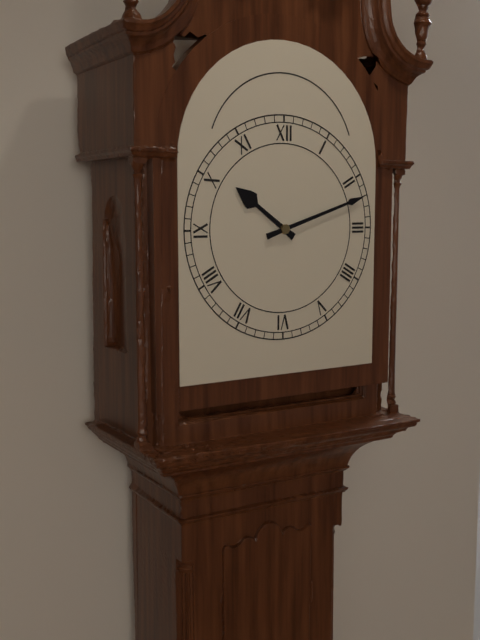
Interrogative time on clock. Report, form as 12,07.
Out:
10,12
